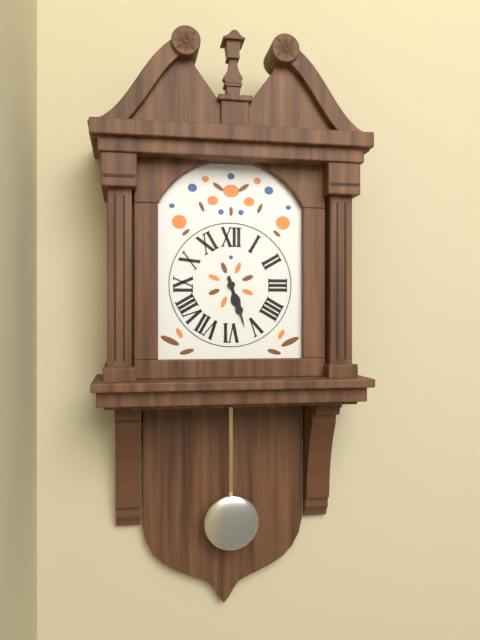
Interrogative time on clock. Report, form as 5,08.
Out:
5,27
